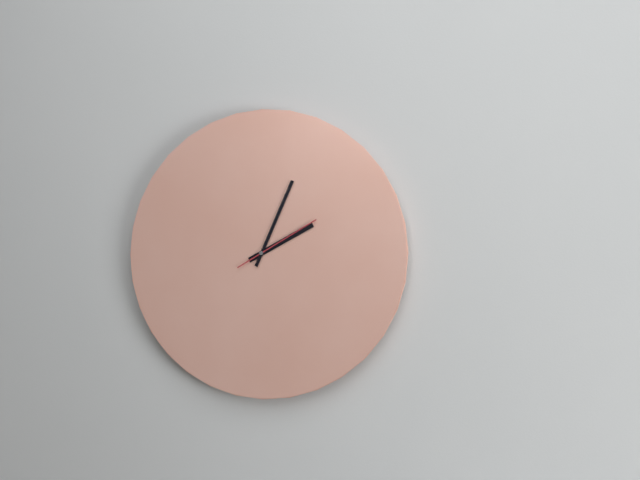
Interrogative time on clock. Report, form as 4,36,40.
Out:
2,04,10
